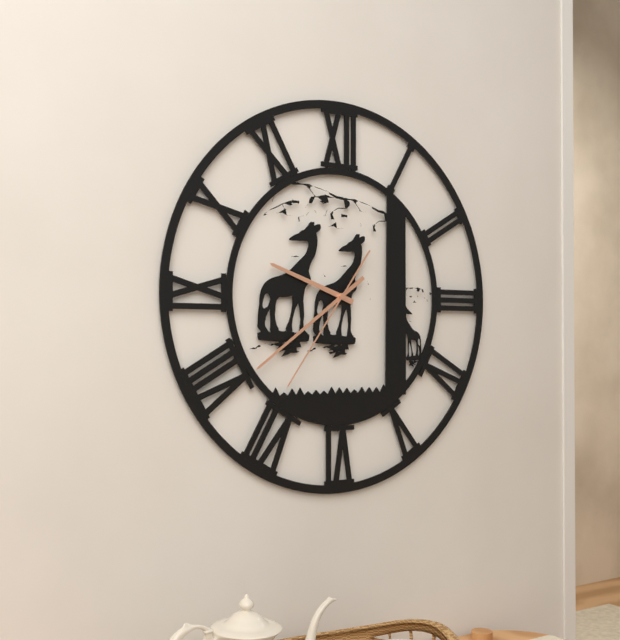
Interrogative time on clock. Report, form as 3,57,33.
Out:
9,39,36
